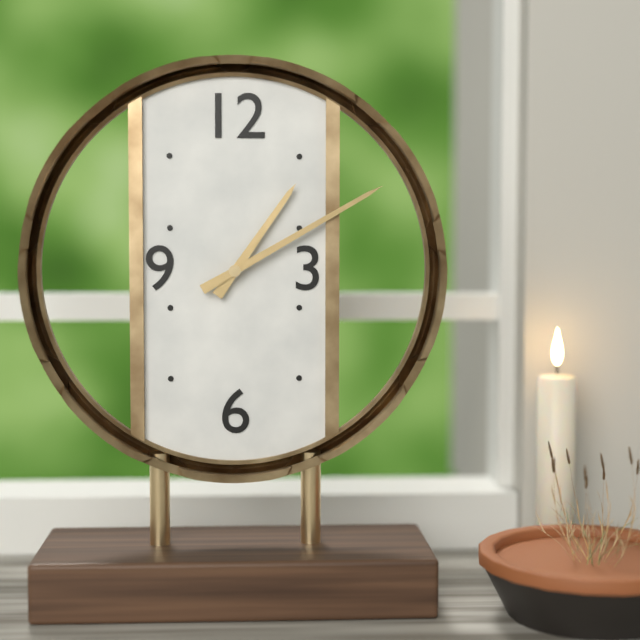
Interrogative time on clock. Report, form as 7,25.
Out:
1,10
